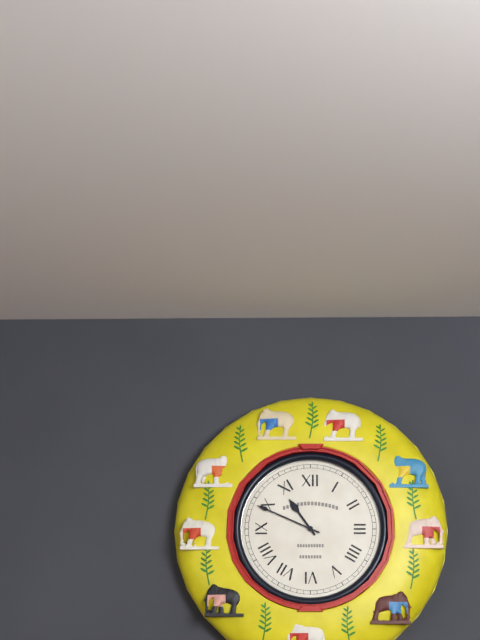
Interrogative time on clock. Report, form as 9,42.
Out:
10,49
